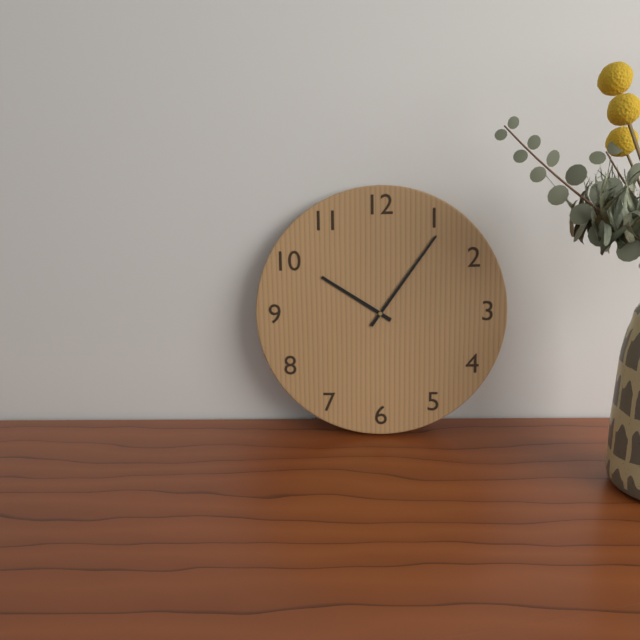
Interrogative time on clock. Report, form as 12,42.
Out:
10,06
